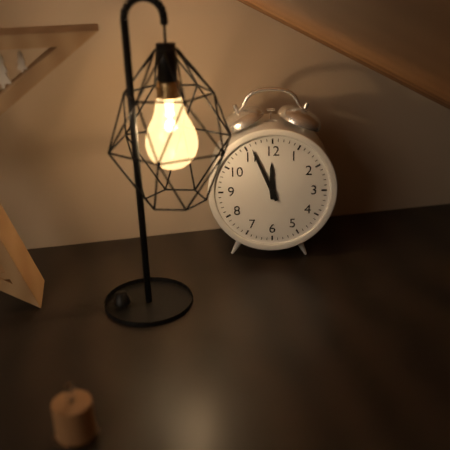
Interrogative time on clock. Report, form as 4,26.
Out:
11,56
